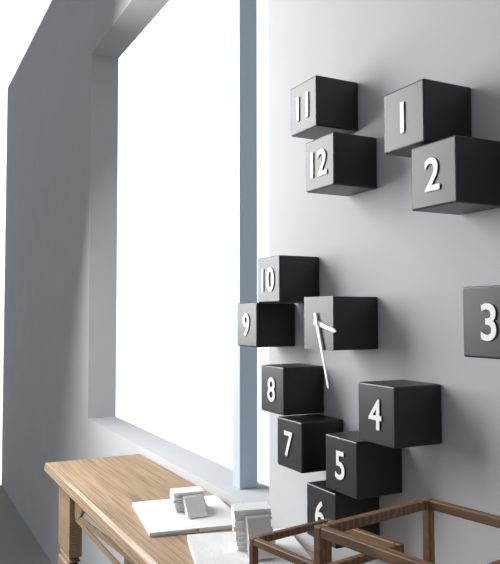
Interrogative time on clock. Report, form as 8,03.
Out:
3,27
